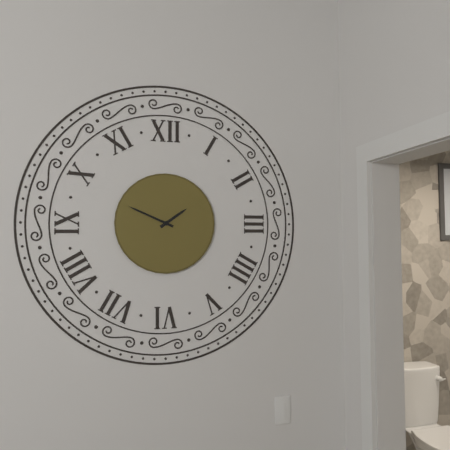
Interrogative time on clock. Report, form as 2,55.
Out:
1,49
